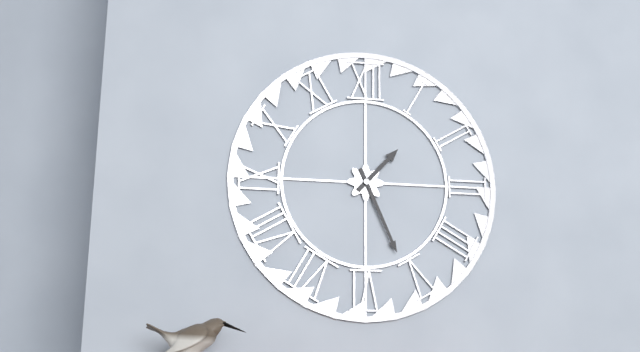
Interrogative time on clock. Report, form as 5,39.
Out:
1,26
